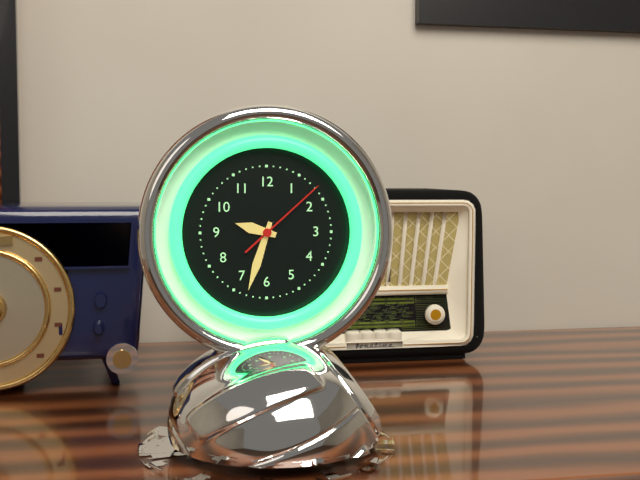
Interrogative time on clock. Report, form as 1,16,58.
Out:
9,33,08
